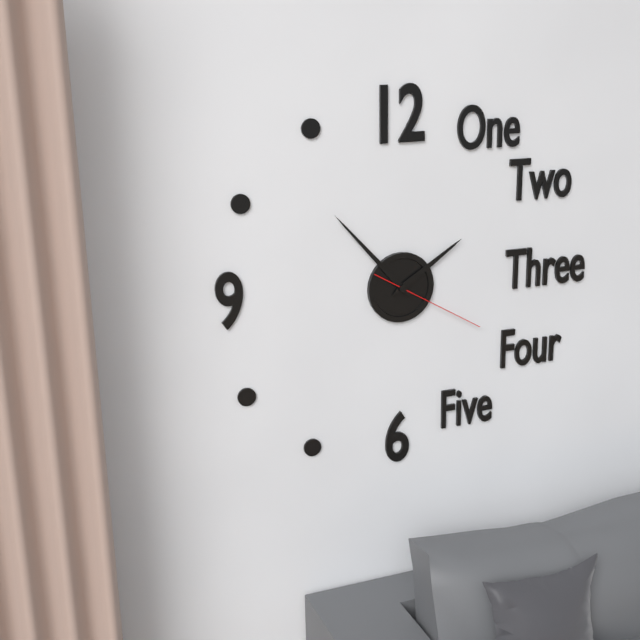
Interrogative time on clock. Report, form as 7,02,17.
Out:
1,53,20
